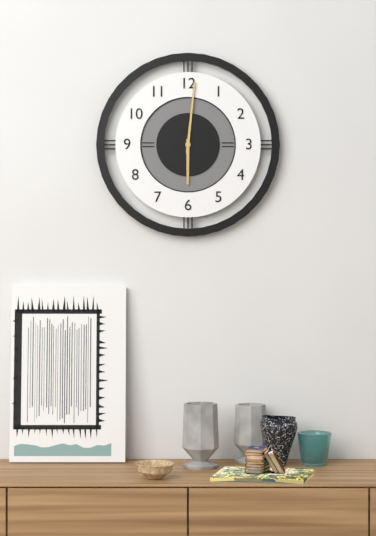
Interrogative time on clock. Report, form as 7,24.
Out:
6,01
